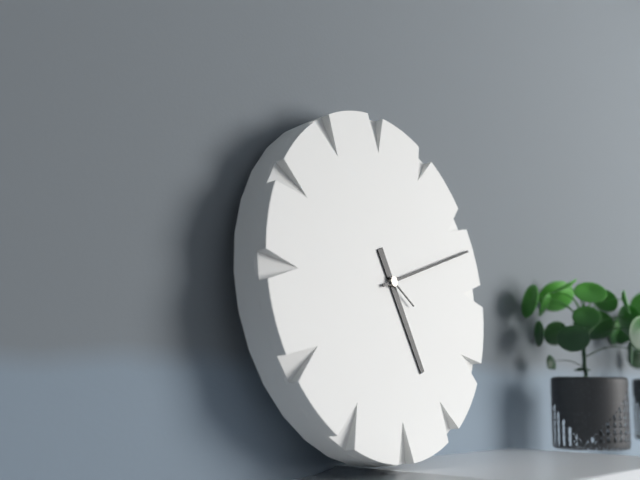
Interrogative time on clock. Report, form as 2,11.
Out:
5,12
